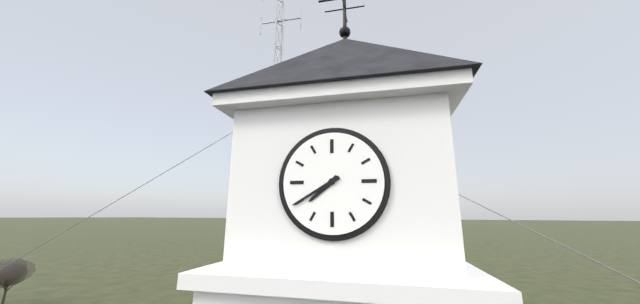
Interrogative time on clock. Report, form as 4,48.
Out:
7,40
